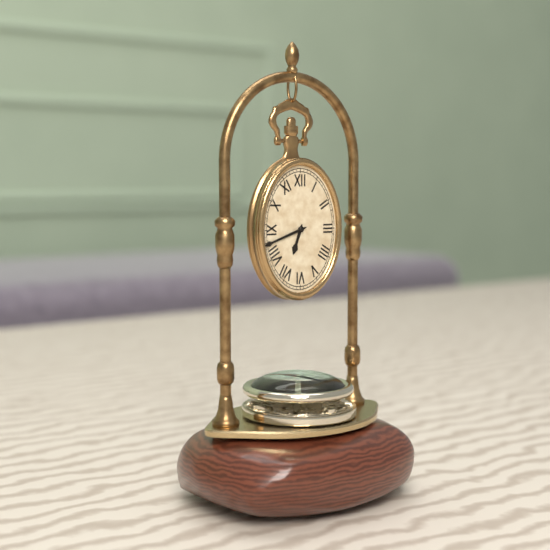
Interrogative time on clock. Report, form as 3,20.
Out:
6,42
